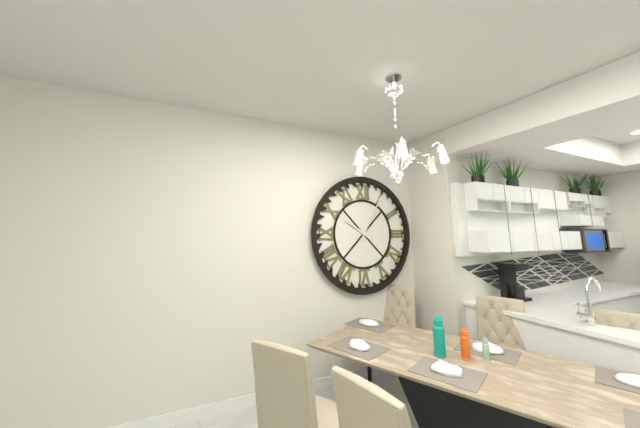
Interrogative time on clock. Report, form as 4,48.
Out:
10,05
